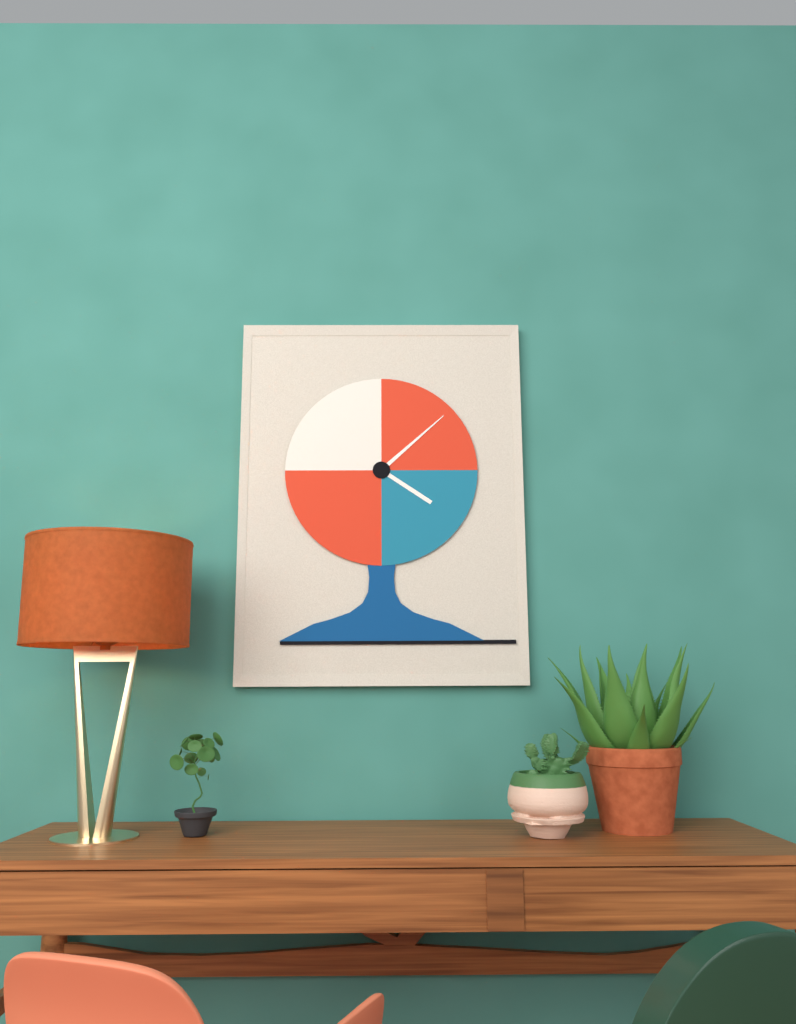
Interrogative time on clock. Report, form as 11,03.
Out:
4,08
